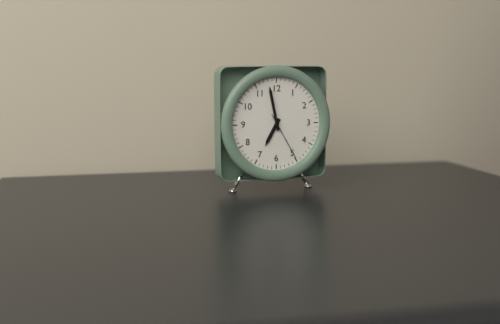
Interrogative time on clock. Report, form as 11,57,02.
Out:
6,58,25
